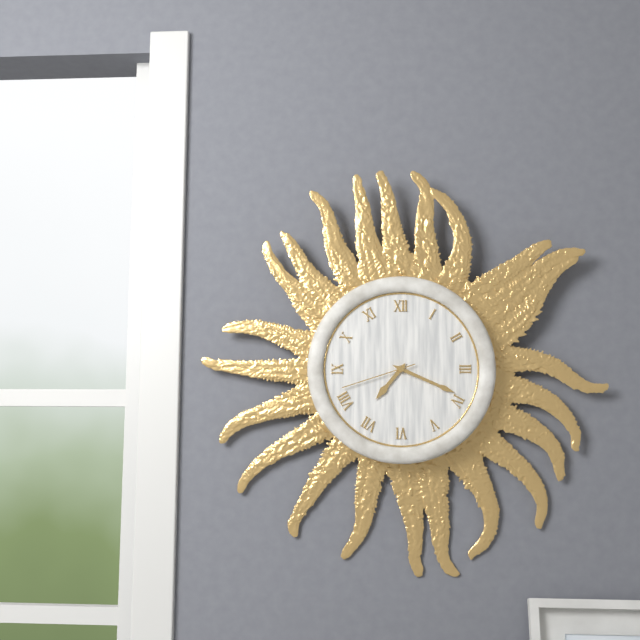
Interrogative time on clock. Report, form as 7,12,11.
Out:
7,19,42
